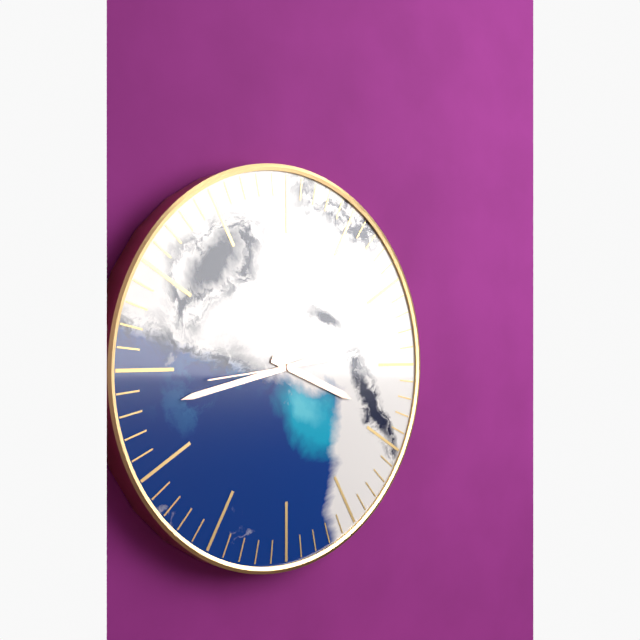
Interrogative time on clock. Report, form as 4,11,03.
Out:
3,43,44
